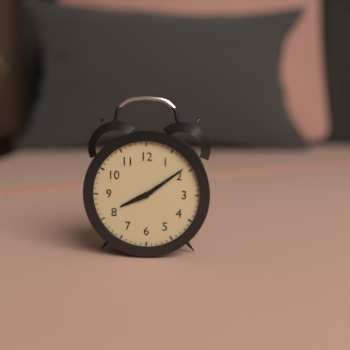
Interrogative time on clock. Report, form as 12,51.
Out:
8,09
